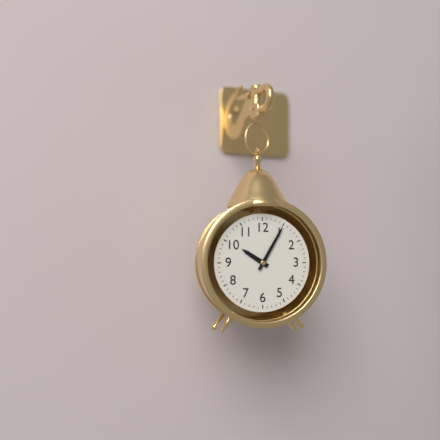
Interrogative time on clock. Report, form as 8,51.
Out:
10,05
